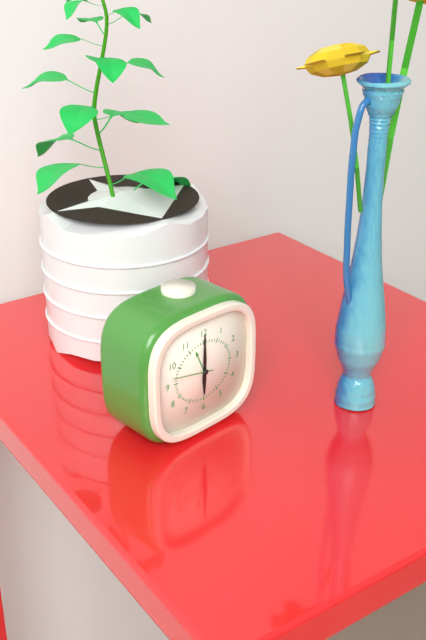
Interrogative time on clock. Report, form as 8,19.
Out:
6,00
